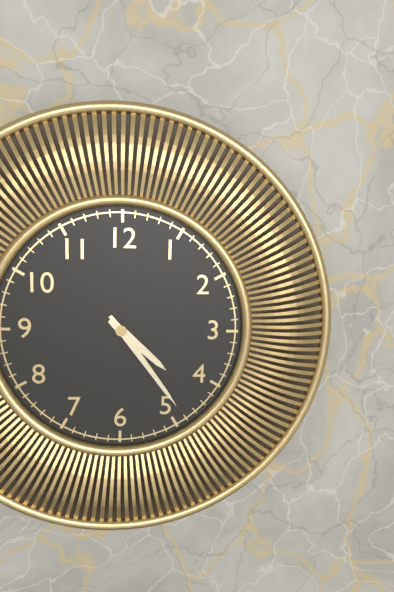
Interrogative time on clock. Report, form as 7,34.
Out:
4,24
